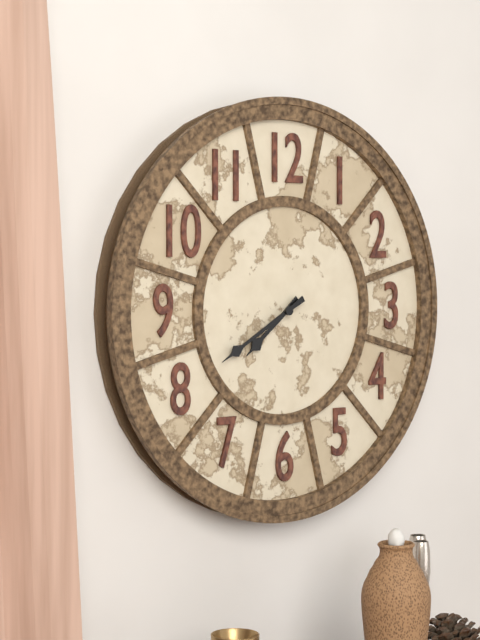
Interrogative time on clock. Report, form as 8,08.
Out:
7,40
